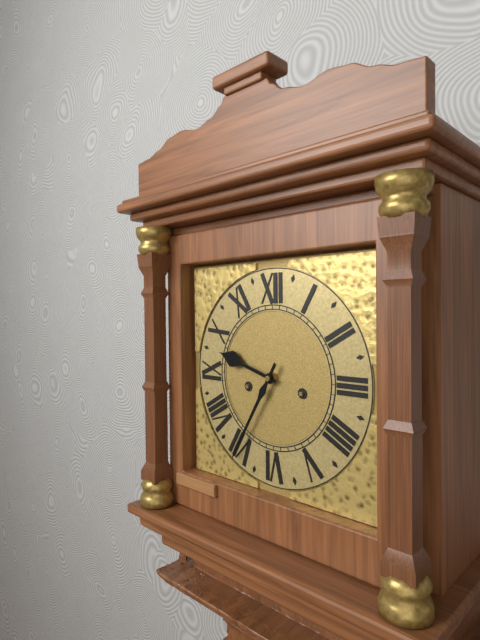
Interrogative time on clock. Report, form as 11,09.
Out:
9,35
